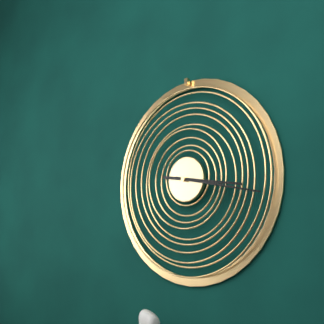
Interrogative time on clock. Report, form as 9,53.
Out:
3,17
